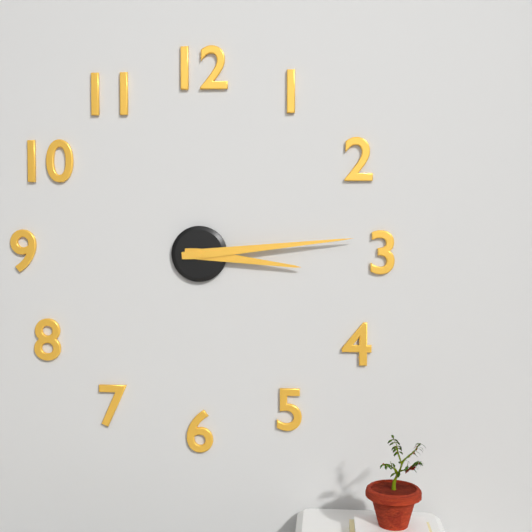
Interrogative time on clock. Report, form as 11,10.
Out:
3,14
